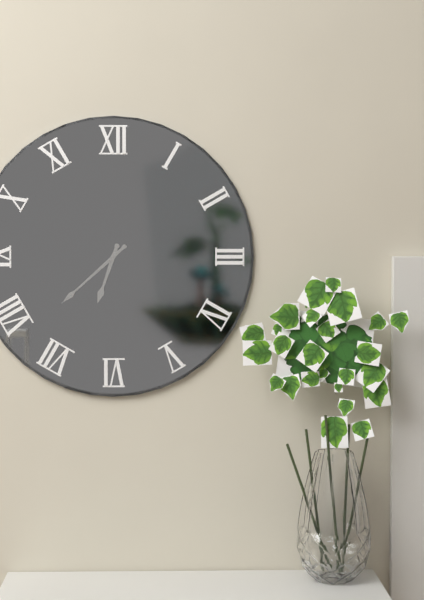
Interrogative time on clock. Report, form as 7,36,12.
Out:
6,38,38
